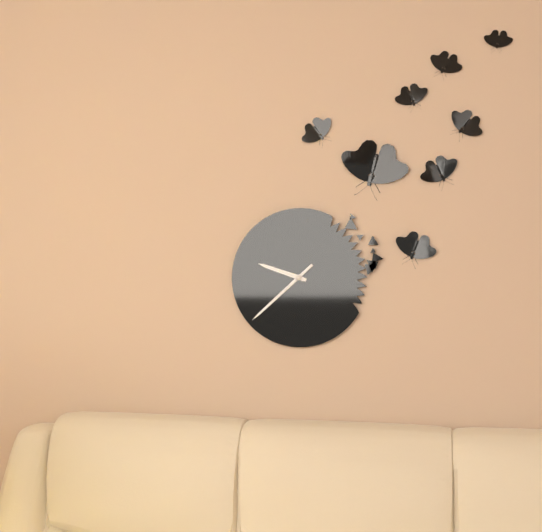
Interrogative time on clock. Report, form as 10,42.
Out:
9,38
